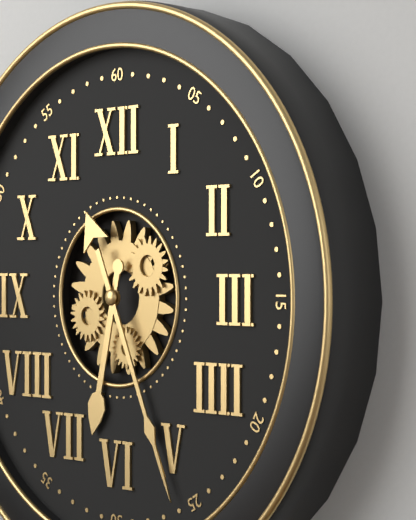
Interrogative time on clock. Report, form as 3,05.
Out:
6,26
